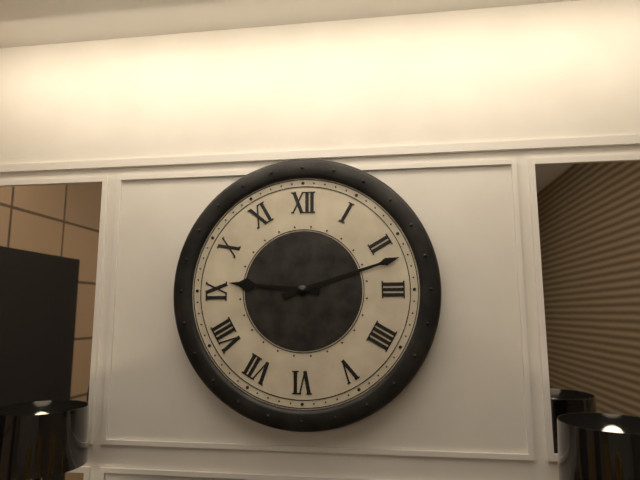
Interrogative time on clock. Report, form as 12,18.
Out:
9,12
